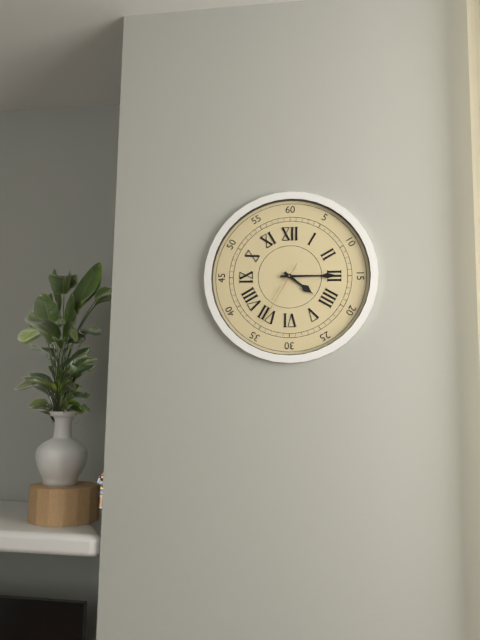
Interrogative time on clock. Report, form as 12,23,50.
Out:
4,15,35
